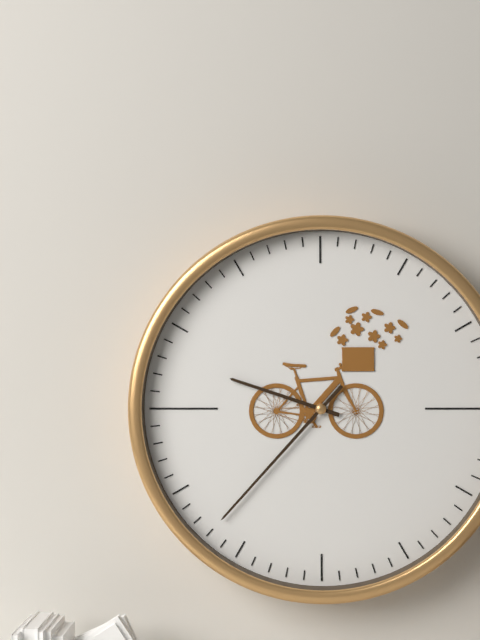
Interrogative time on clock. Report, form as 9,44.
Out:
9,37
